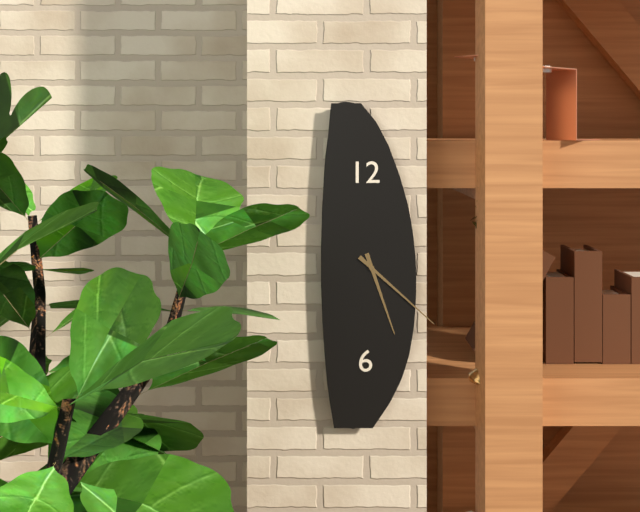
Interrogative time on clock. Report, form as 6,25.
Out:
5,22
